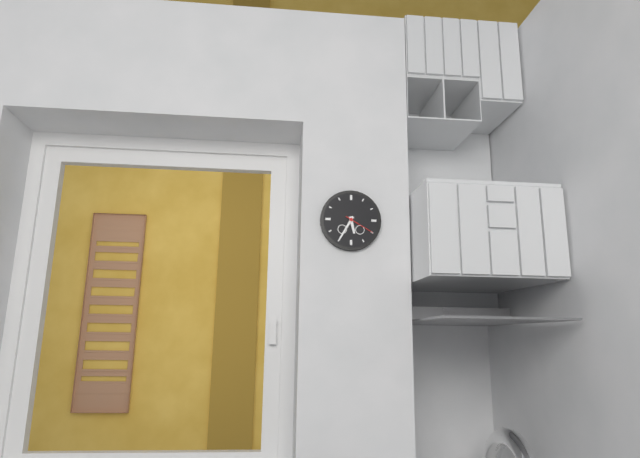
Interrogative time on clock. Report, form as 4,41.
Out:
5,35
